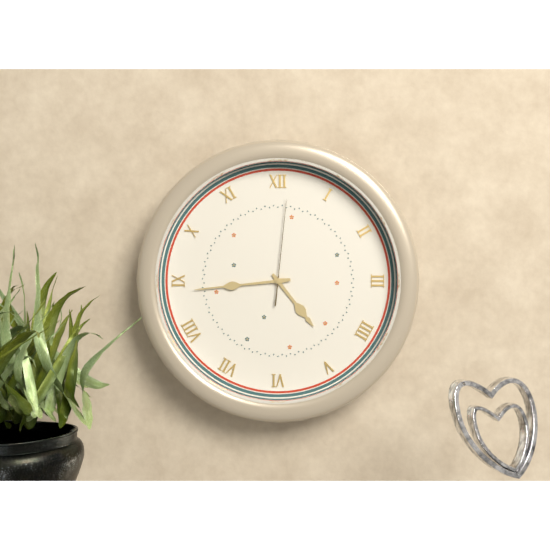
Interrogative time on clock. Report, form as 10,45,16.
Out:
4,44,01
